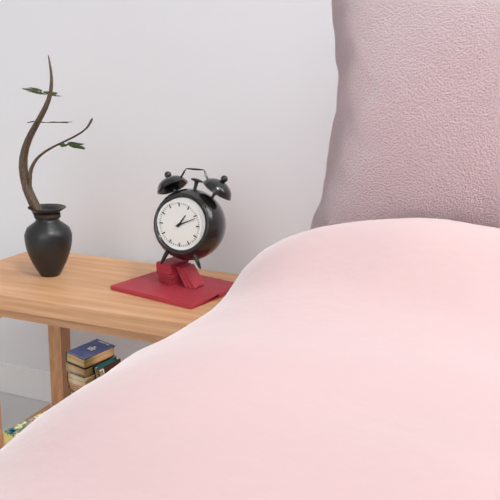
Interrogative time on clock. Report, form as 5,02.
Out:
1,11
